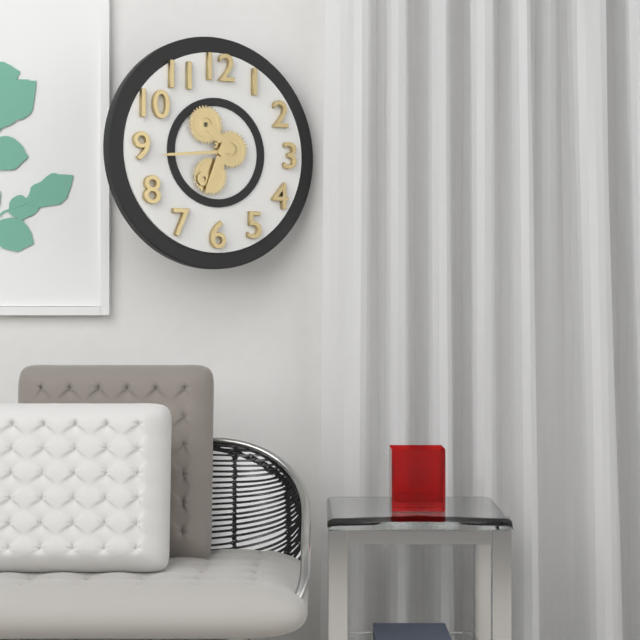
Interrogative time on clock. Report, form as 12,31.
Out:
6,44
